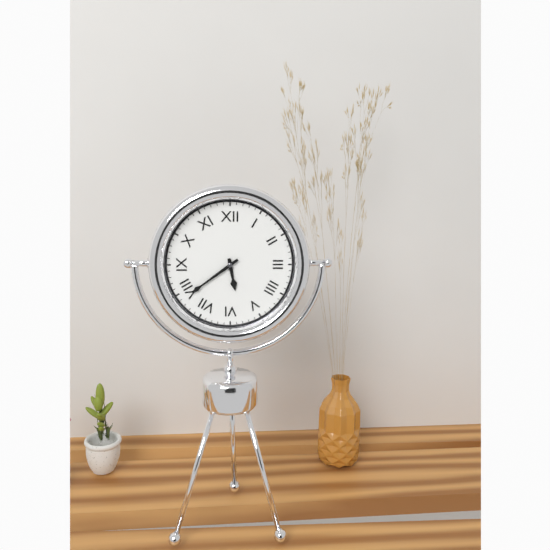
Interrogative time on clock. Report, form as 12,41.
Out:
5,39
